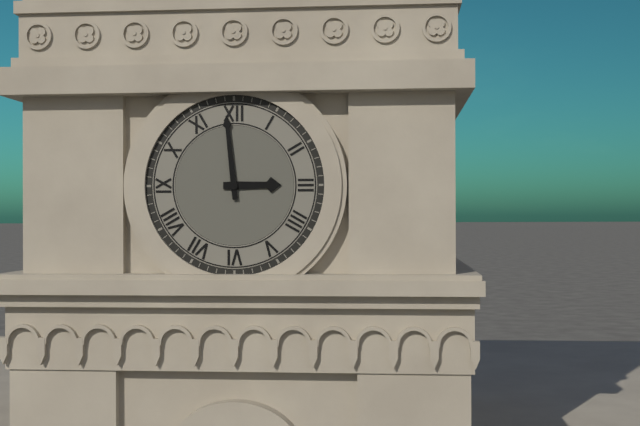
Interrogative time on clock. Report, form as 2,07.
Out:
2,59
